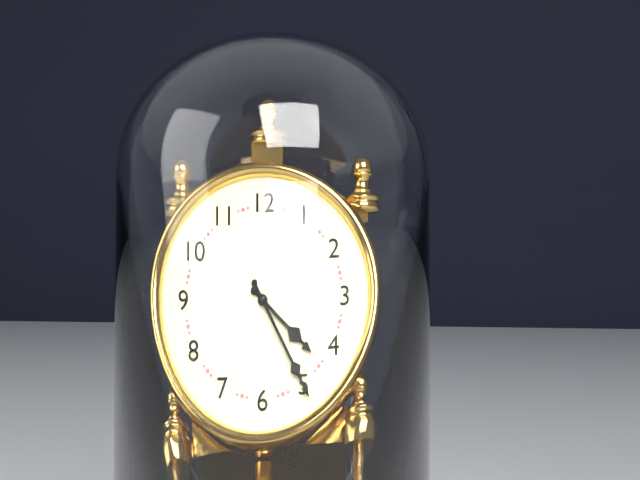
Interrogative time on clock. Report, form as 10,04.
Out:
4,25
